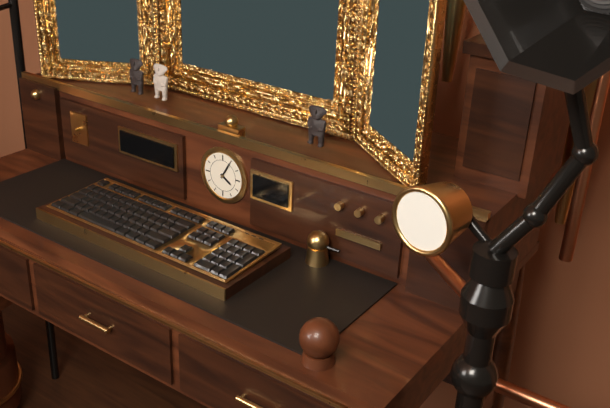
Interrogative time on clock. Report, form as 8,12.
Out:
4,05
